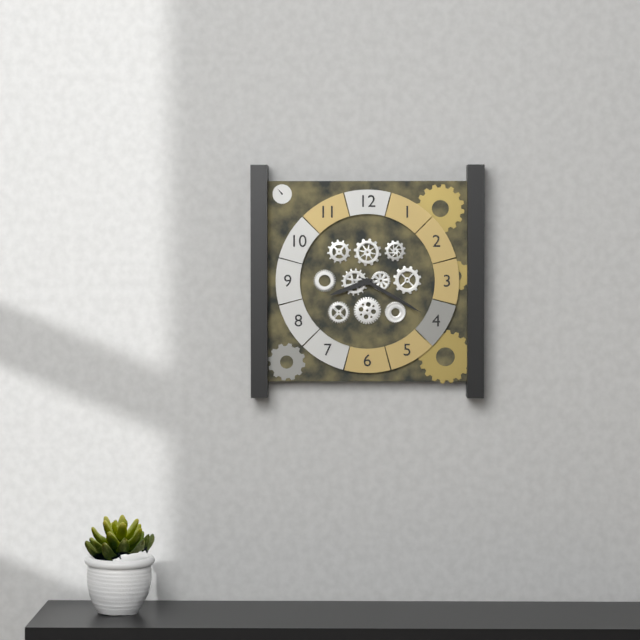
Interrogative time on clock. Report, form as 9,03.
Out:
8,20
